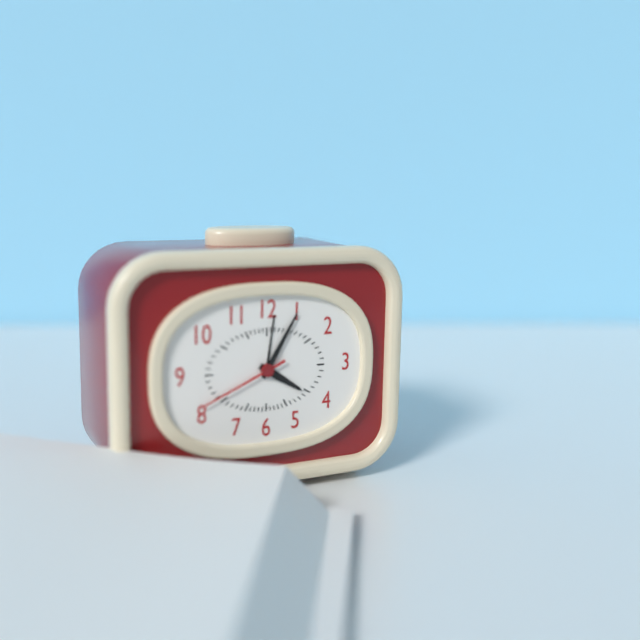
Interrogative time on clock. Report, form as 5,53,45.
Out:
4,05,41
